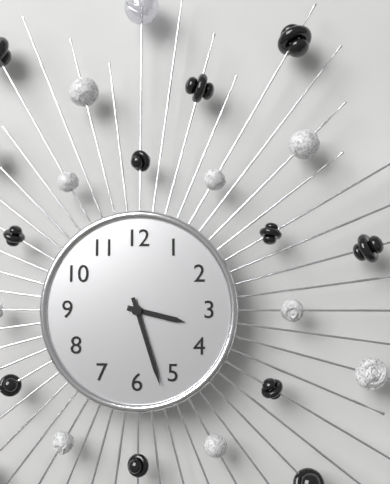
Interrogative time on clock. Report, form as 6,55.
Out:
3,27
